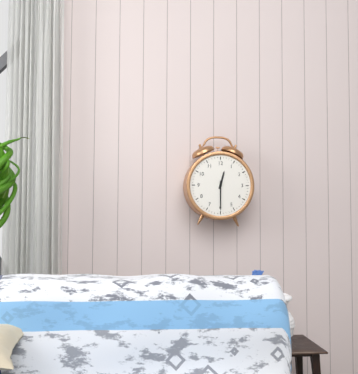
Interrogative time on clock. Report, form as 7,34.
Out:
12,30
